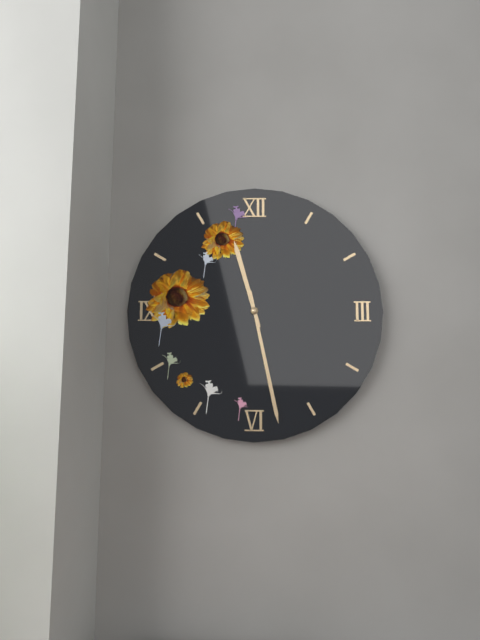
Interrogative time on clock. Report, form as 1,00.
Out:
11,28
